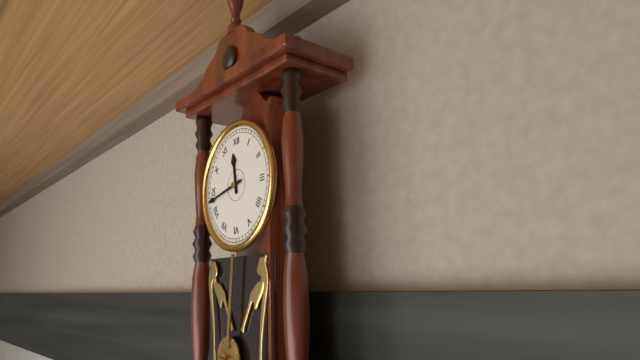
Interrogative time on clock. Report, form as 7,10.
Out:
11,43
